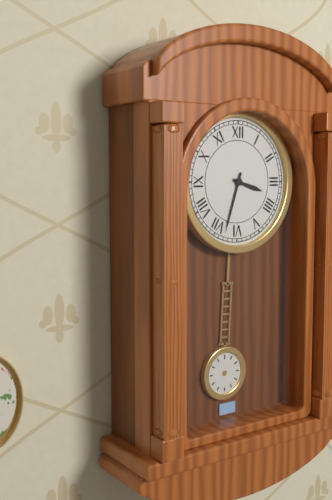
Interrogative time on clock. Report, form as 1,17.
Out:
3,33
